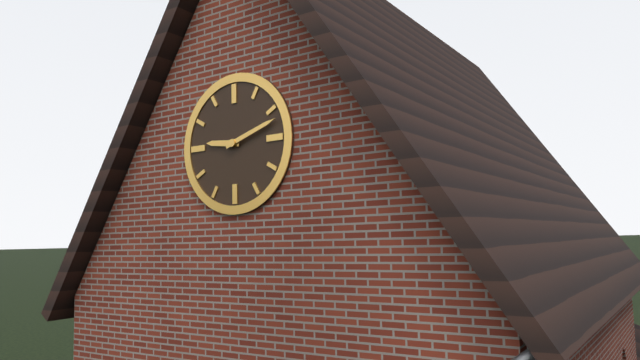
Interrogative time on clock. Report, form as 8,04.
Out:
9,12
